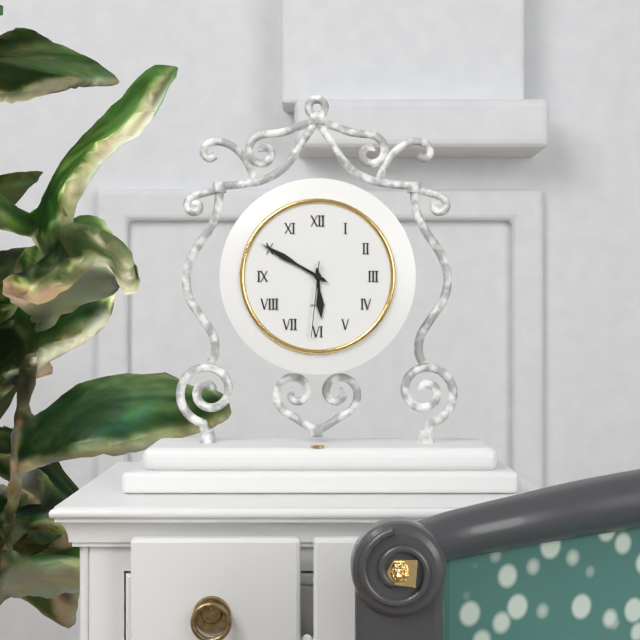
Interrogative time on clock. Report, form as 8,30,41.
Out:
5,50,31
